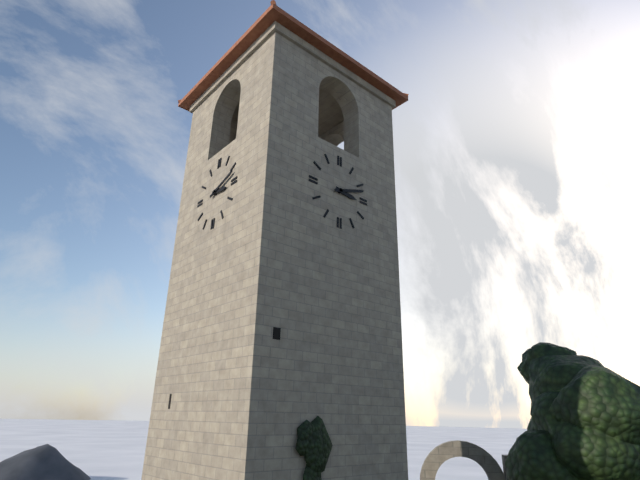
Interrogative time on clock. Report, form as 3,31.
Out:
3,12
